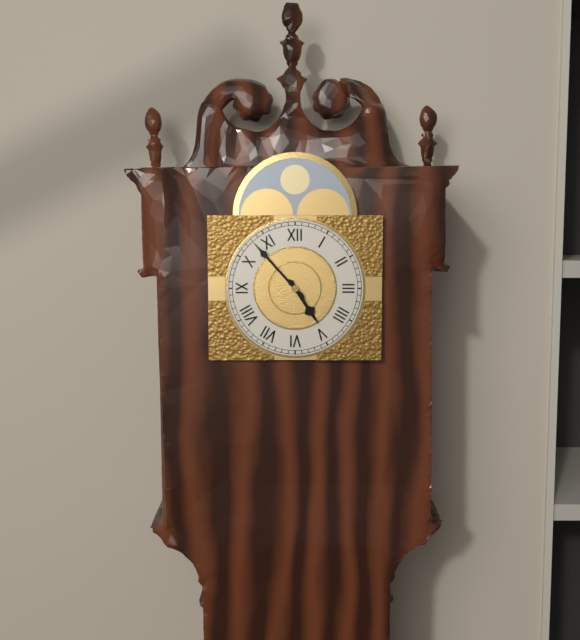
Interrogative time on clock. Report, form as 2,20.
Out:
4,53
